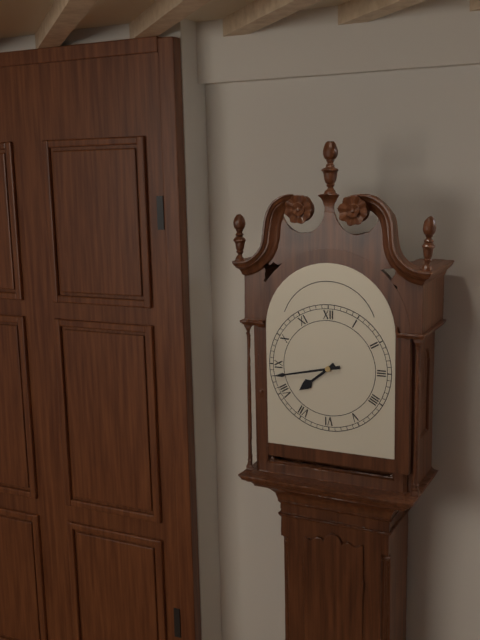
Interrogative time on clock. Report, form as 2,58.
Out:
7,43
